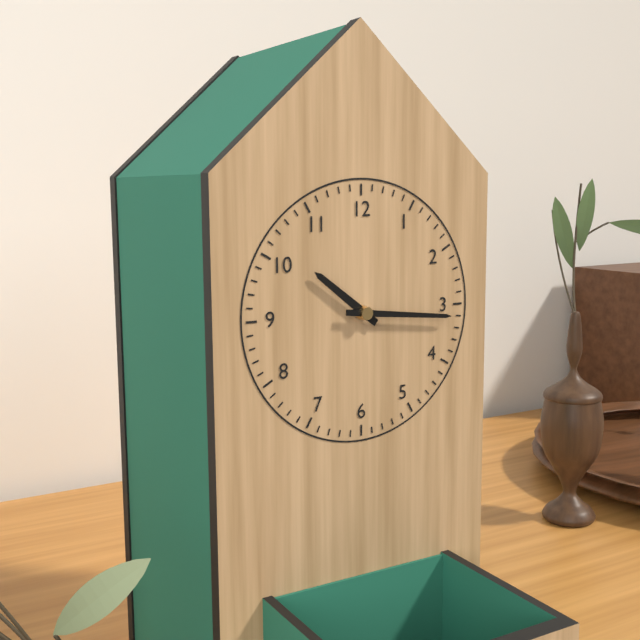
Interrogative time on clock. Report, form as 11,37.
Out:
10,16
